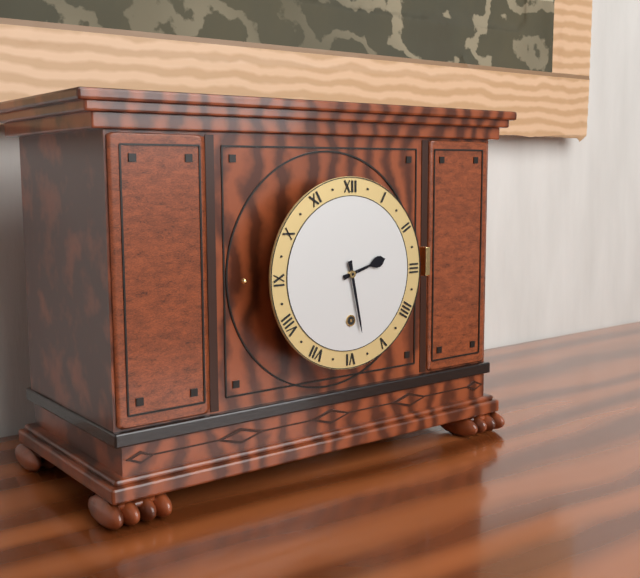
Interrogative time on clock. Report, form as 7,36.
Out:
2,28
